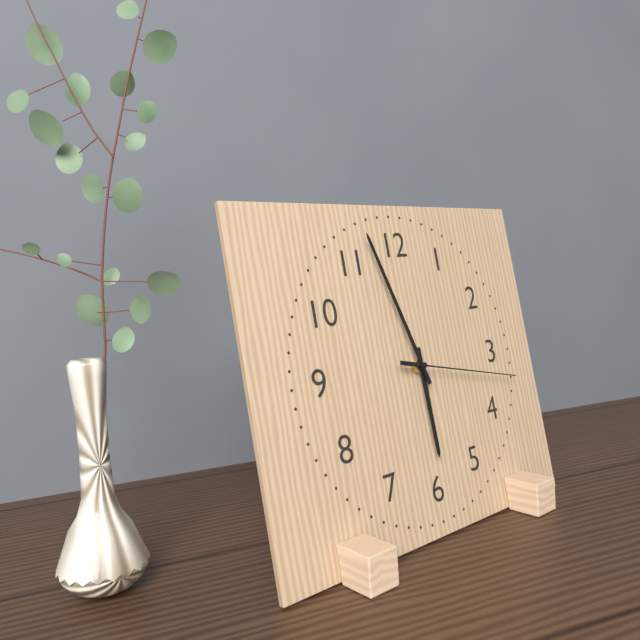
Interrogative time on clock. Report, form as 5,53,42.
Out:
5,57,17
